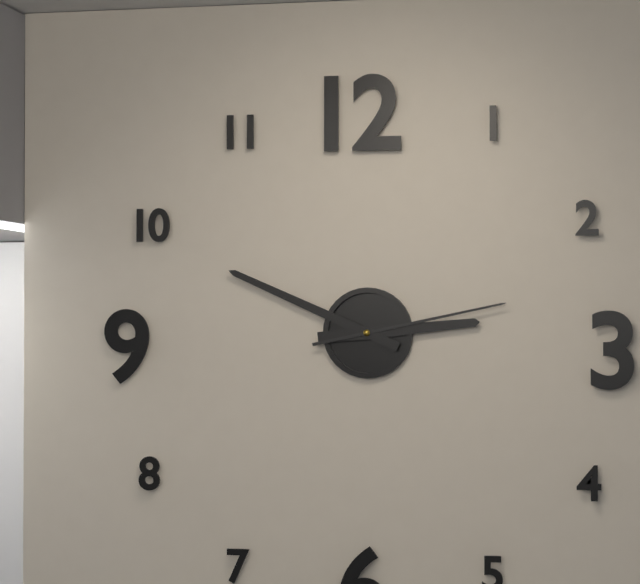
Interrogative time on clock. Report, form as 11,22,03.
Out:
2,49,13
